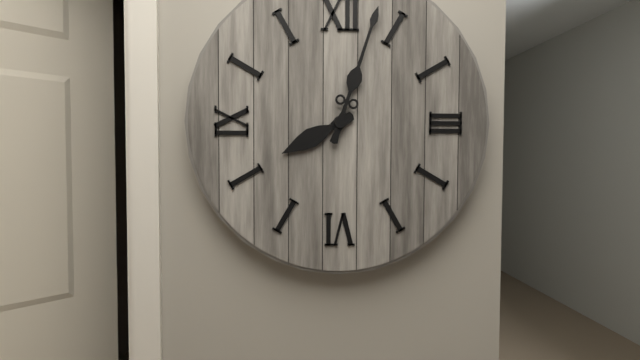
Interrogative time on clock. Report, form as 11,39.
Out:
8,03
